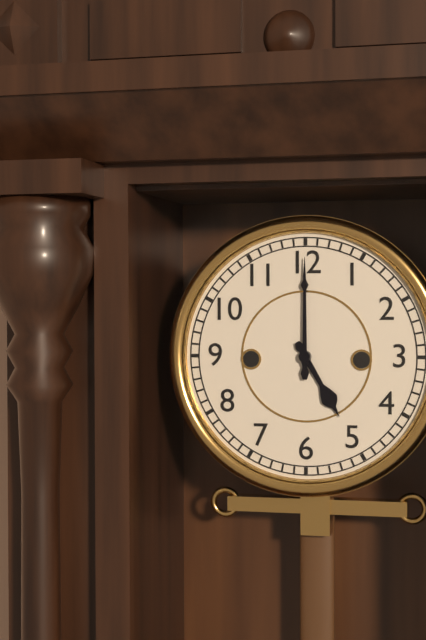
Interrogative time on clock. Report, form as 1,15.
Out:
5,00
